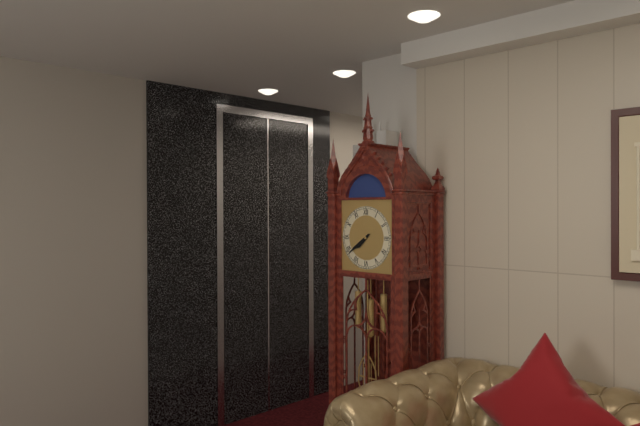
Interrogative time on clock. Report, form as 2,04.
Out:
7,39
